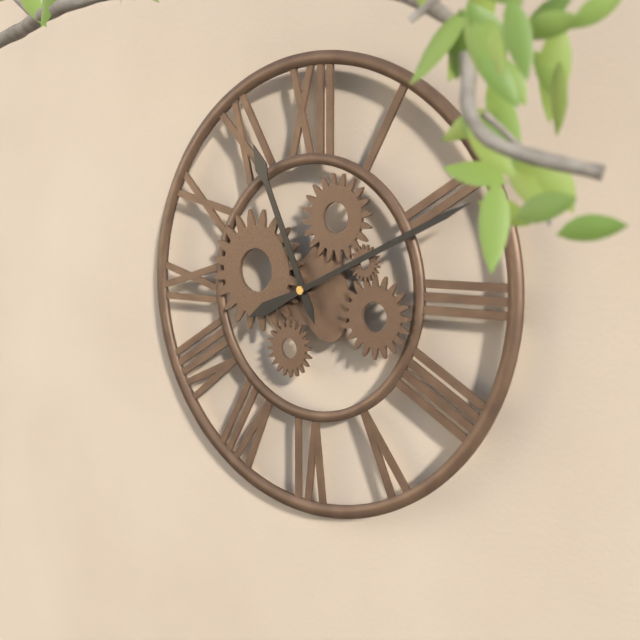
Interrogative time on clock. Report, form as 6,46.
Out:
11,11
